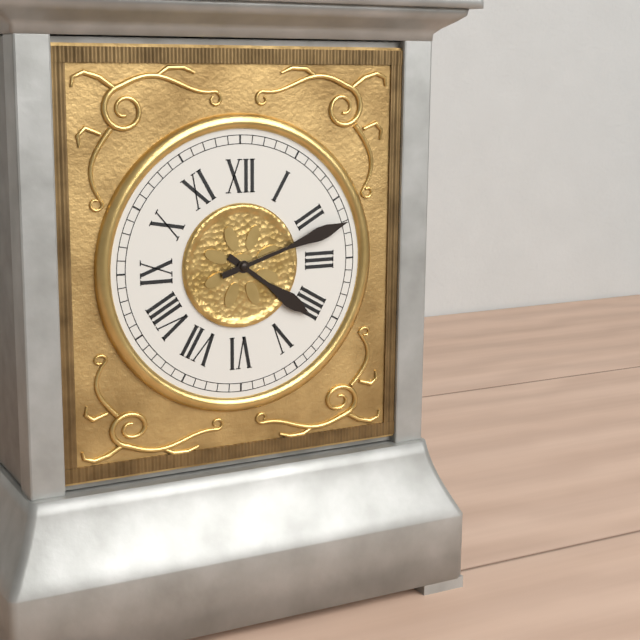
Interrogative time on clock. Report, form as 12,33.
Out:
4,12
